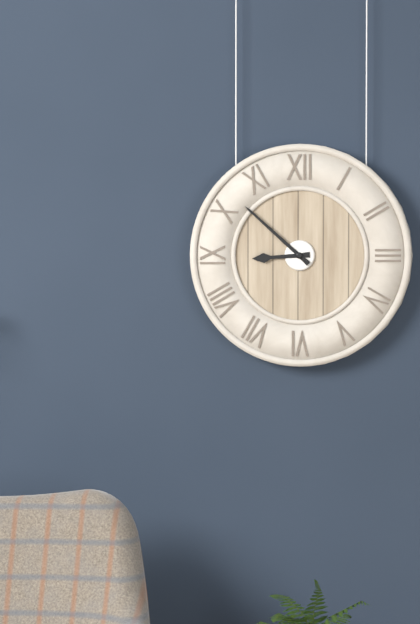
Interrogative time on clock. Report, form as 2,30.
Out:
8,52
